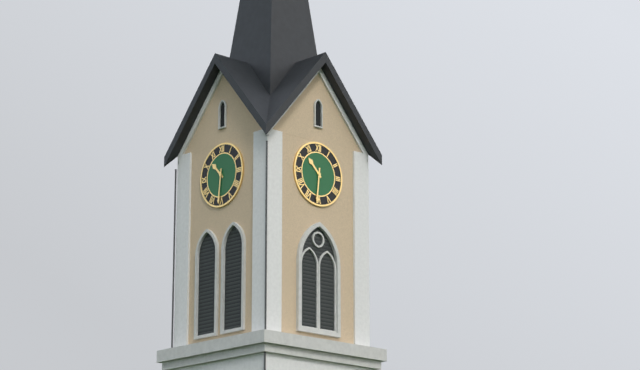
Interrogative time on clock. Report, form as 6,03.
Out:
10,31
